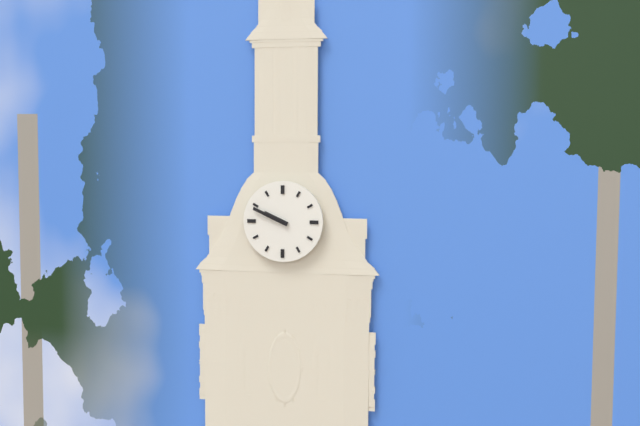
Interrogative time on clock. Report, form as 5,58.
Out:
9,49
